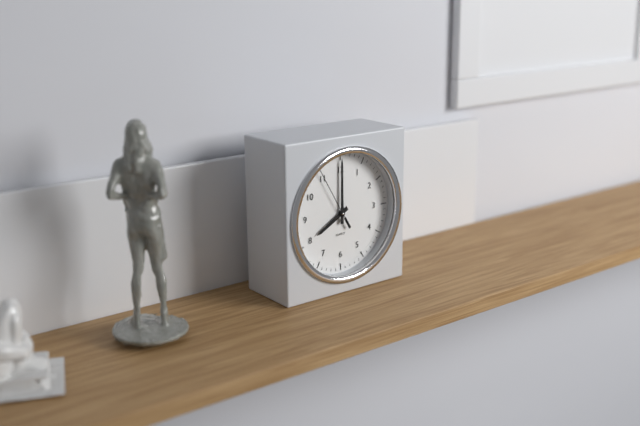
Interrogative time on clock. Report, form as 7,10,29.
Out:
8,00,55
